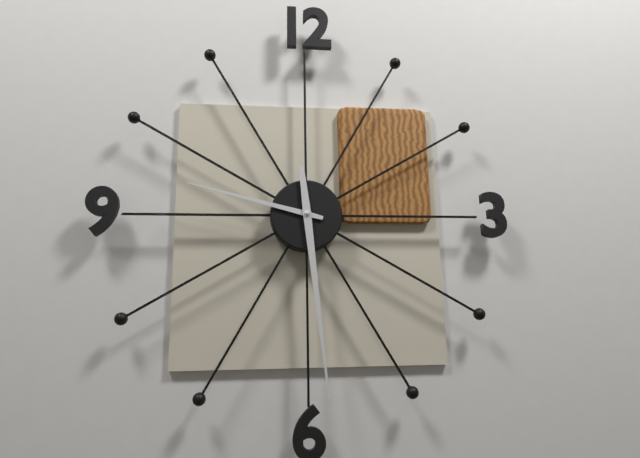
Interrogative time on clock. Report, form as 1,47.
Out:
9,29
